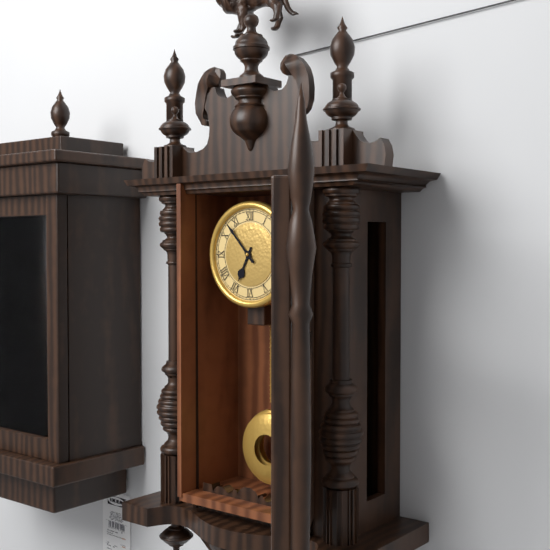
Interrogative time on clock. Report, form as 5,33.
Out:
6,53
